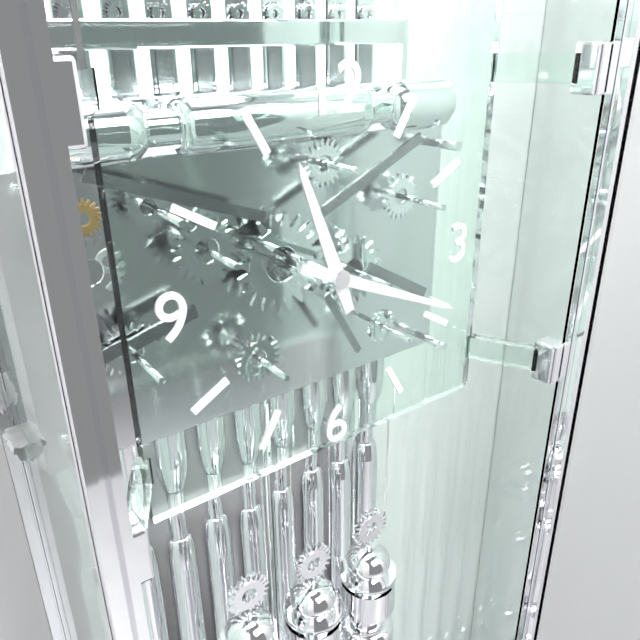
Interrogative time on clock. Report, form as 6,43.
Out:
11,19
